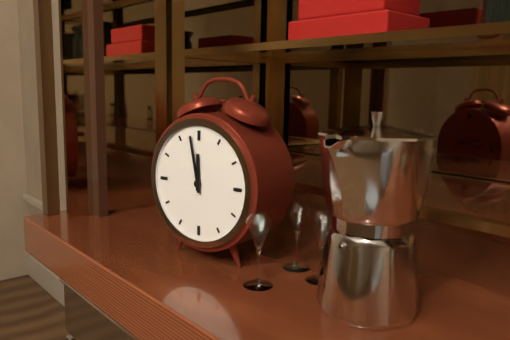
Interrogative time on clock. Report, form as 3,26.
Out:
11,58
